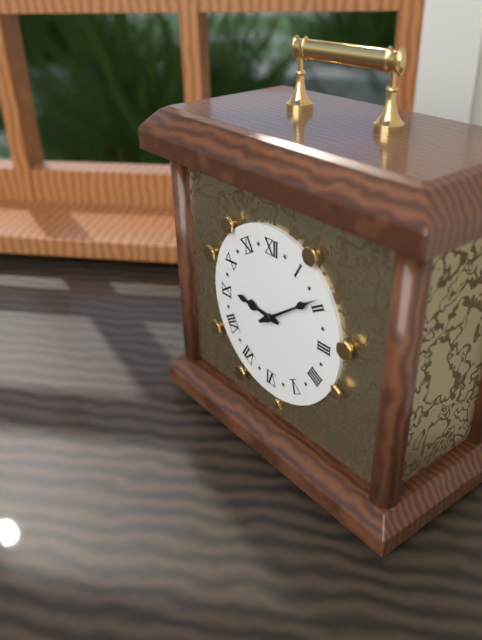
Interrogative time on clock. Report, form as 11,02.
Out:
9,09
